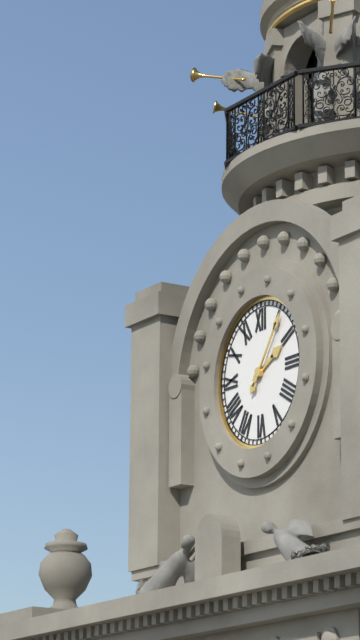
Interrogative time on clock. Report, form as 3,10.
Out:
2,06
